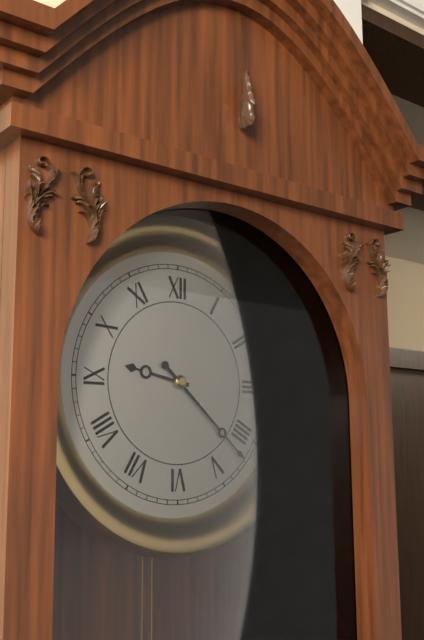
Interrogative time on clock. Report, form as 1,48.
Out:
9,22
